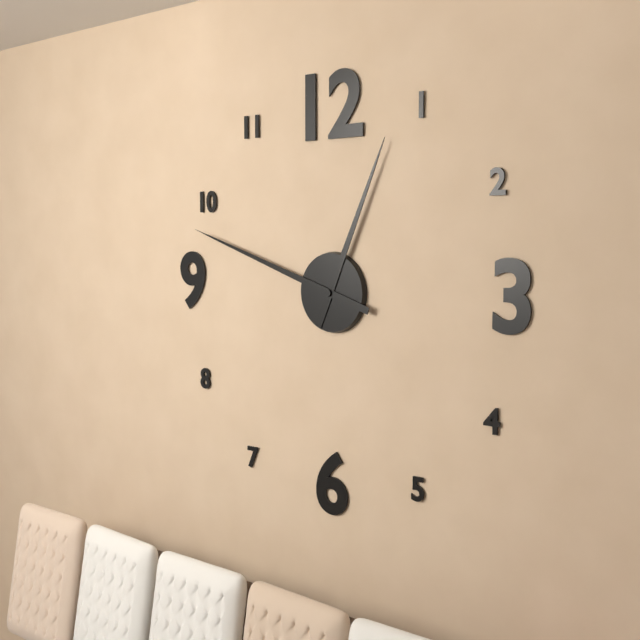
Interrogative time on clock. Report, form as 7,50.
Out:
12,48
